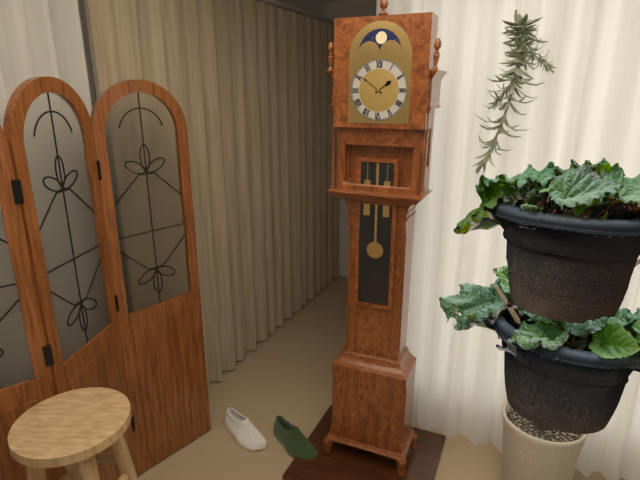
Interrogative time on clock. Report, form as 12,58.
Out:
1,51
